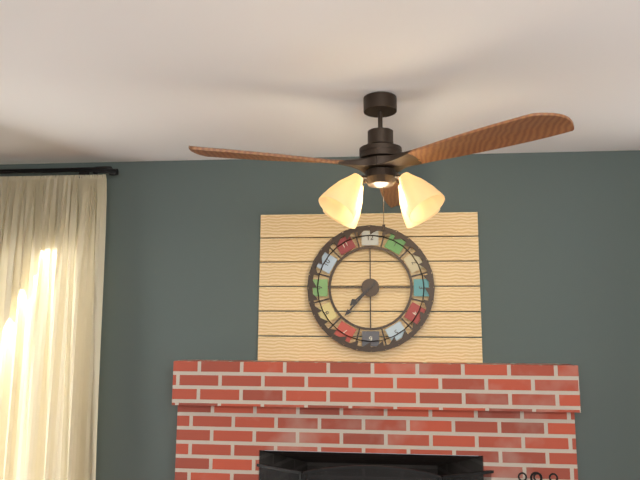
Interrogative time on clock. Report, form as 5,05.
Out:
7,37
